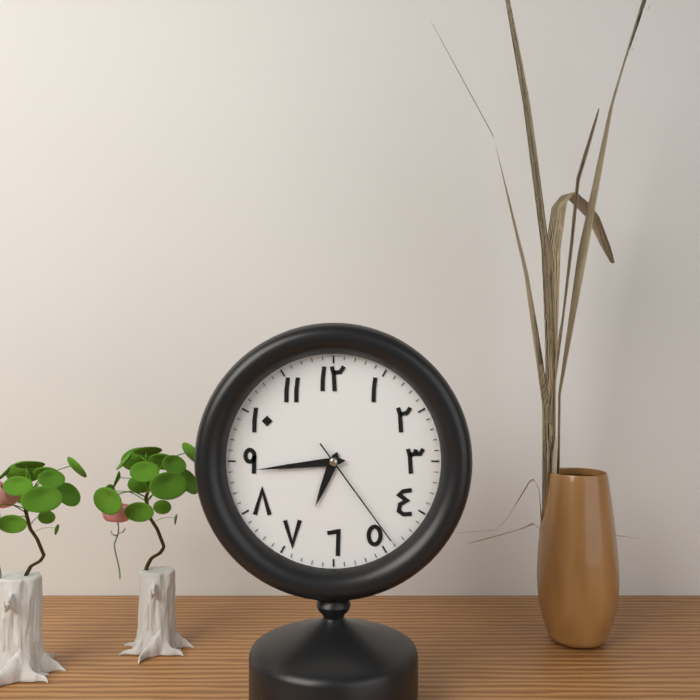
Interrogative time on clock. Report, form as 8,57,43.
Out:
6,44,24
